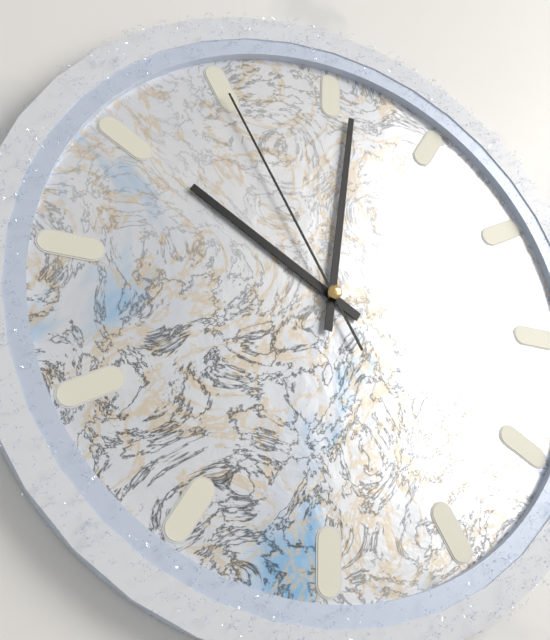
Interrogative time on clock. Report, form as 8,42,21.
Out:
10,01,55
